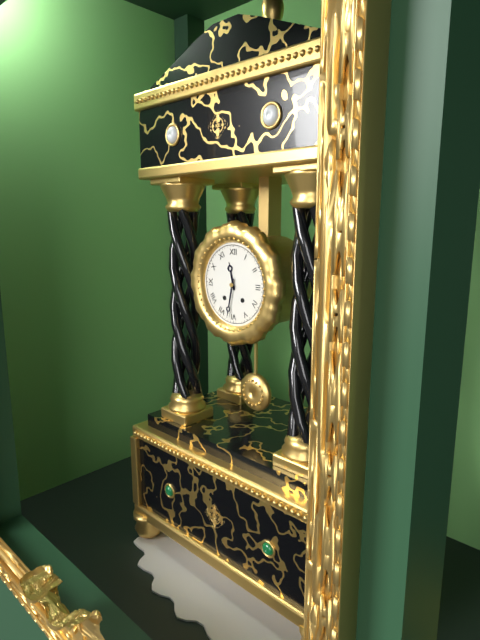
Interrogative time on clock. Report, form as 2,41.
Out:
11,32
